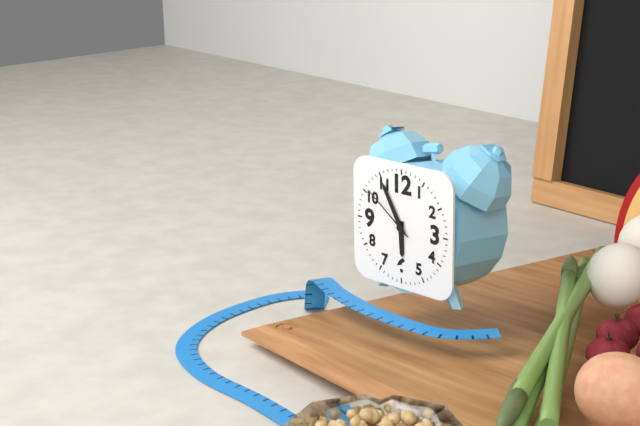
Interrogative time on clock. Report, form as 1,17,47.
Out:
5,55,51
